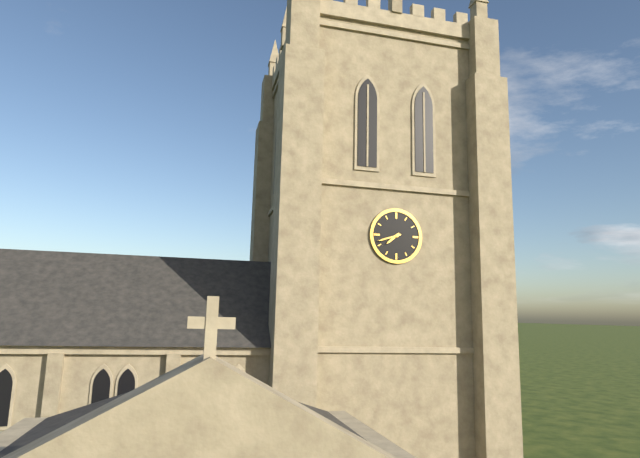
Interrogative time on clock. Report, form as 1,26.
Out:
7,42
